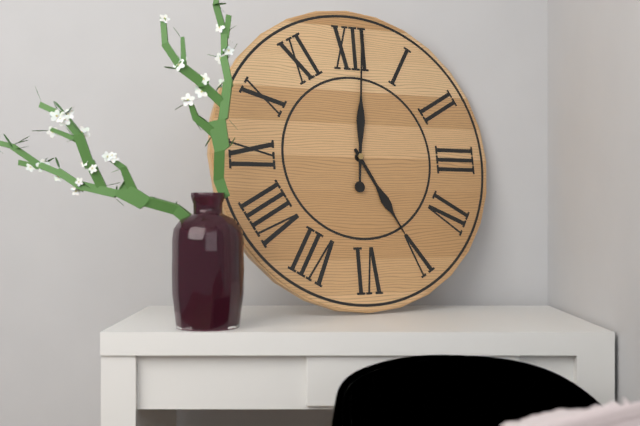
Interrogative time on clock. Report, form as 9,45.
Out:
5,01
